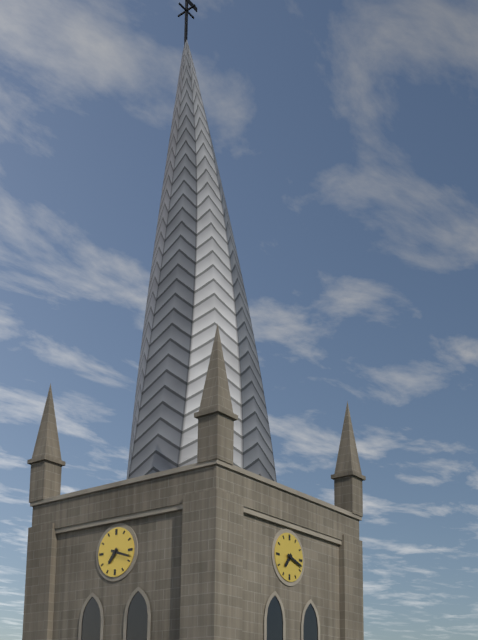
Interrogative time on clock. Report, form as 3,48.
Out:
7,18
